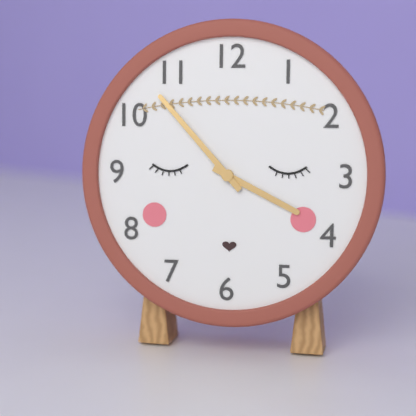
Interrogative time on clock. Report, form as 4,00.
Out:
3,53
